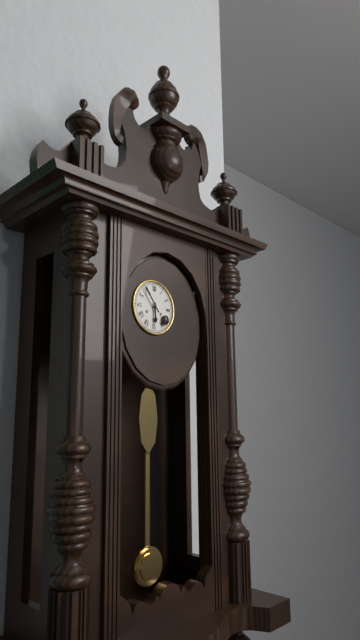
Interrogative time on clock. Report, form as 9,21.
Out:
5,54
